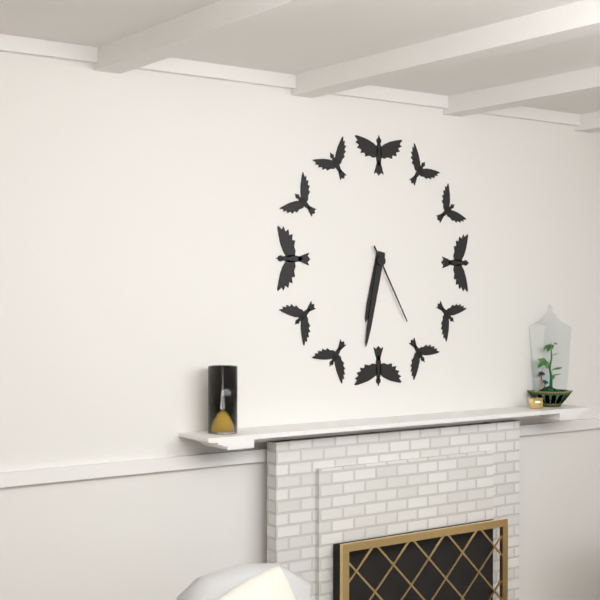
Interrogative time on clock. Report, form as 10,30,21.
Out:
6,32,25
